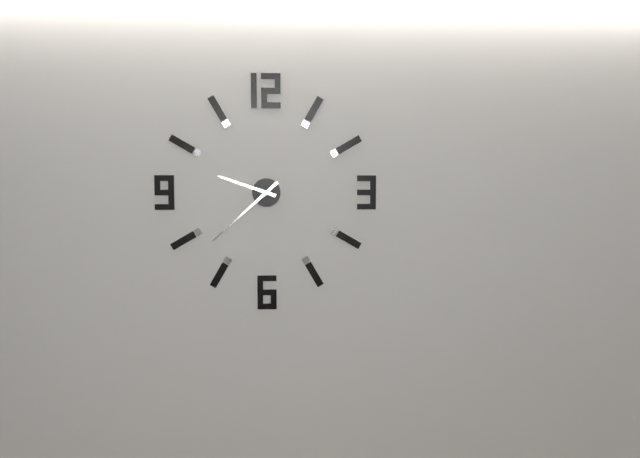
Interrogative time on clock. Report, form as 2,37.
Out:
9,38
